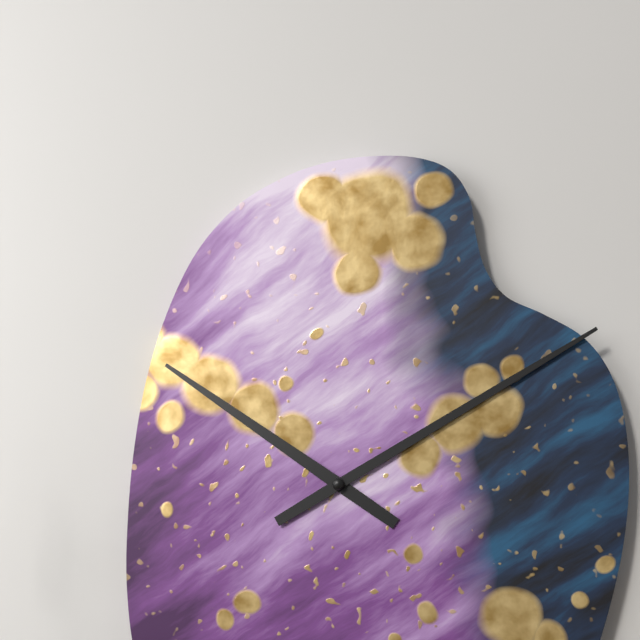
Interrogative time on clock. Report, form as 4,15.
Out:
10,10
